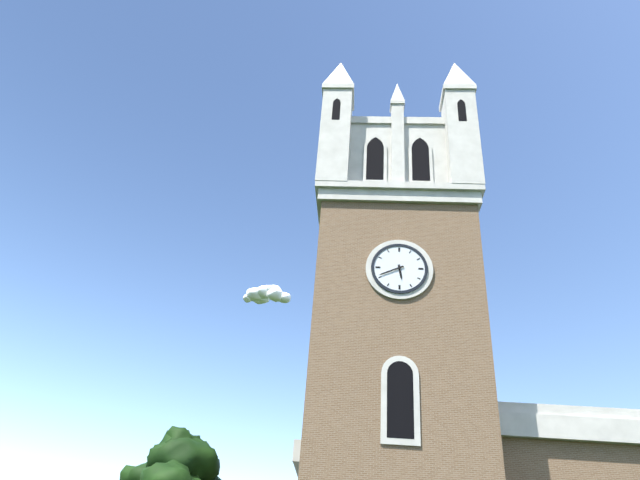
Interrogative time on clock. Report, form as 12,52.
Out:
5,41
